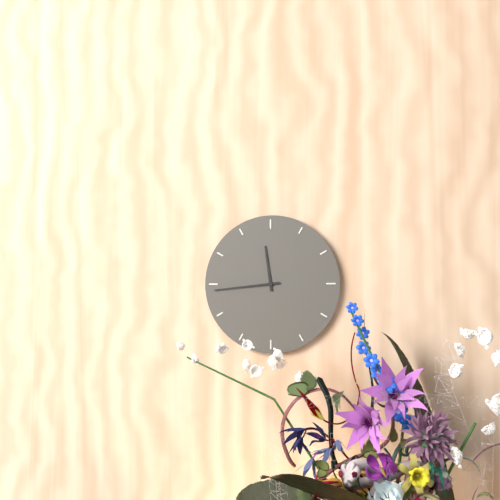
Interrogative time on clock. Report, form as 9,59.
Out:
11,44
